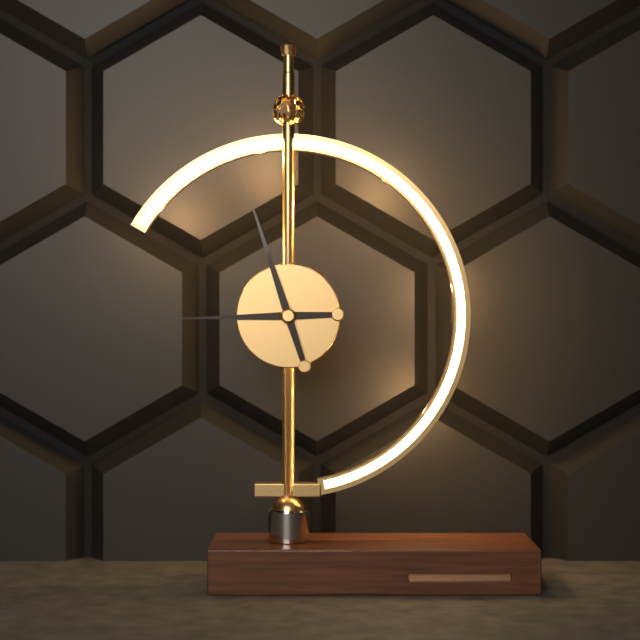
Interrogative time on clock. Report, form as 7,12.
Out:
8,57
